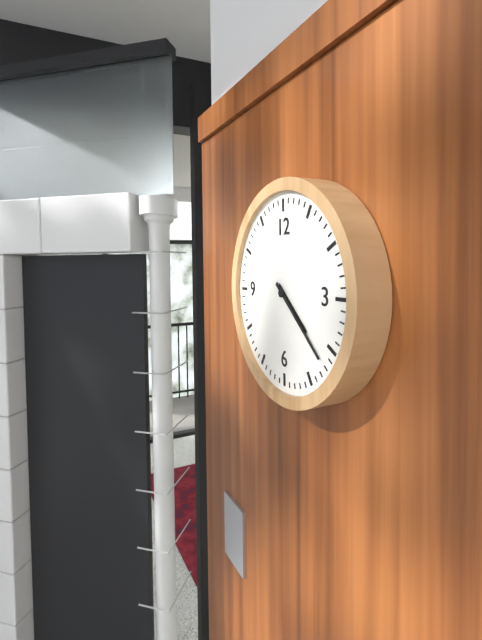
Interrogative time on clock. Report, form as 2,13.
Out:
4,22
